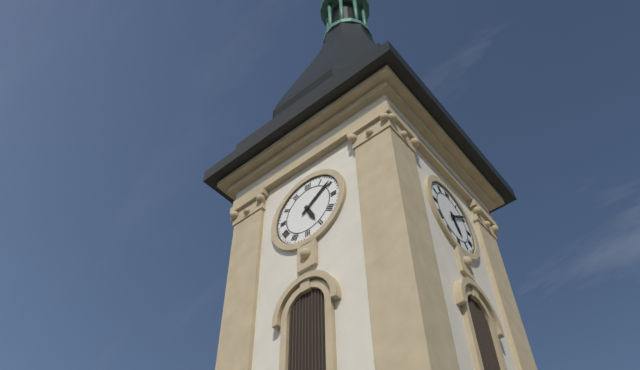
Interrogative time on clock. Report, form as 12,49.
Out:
5,09
